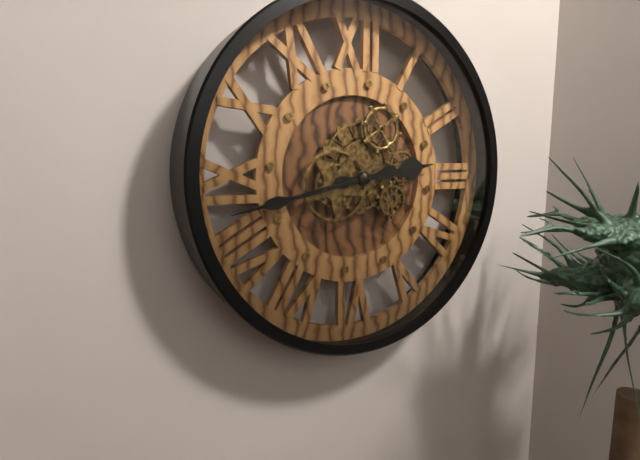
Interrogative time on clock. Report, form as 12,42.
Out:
2,43
